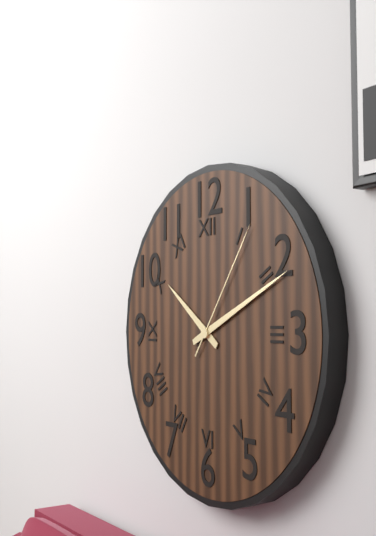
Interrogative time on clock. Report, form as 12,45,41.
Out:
10,11,06
